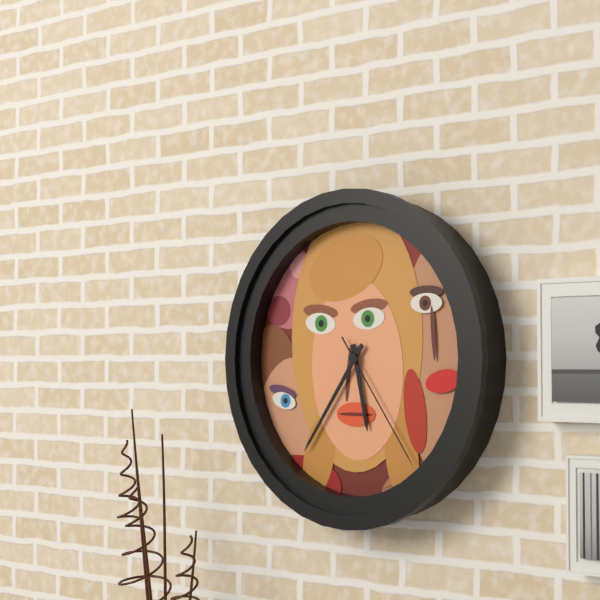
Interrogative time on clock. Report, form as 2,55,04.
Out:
5,36,24
